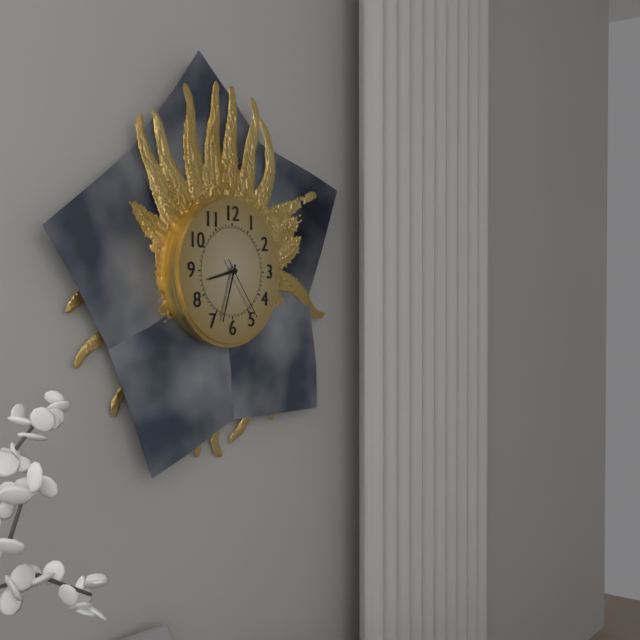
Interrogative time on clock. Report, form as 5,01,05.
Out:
8,33,24
